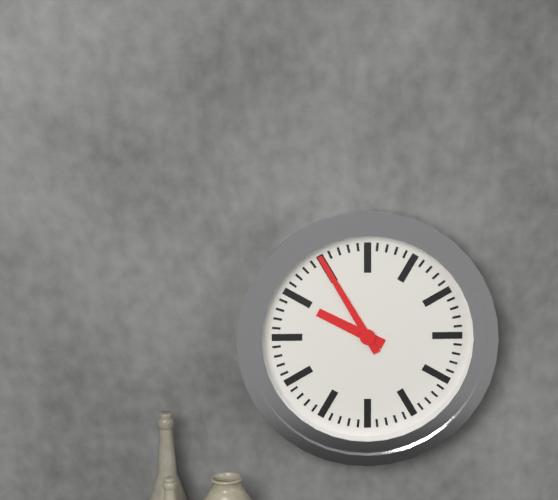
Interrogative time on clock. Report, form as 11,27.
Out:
9,55
